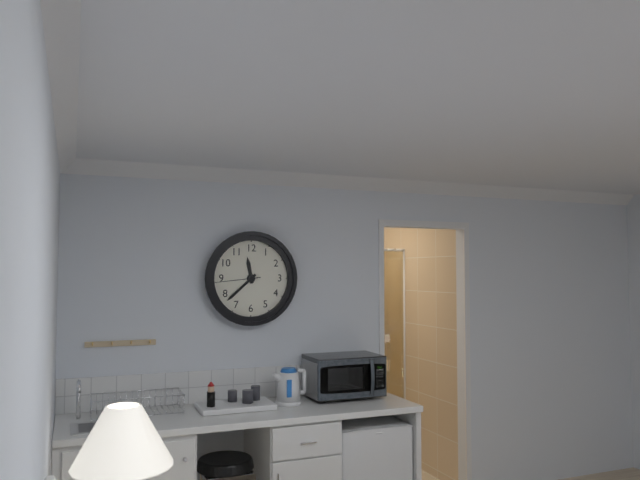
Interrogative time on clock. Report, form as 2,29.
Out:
11,38
